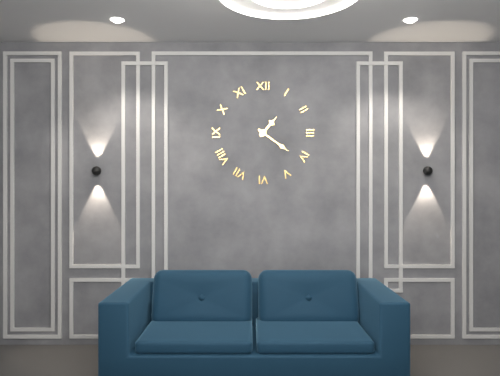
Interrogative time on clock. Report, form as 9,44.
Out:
1,21
